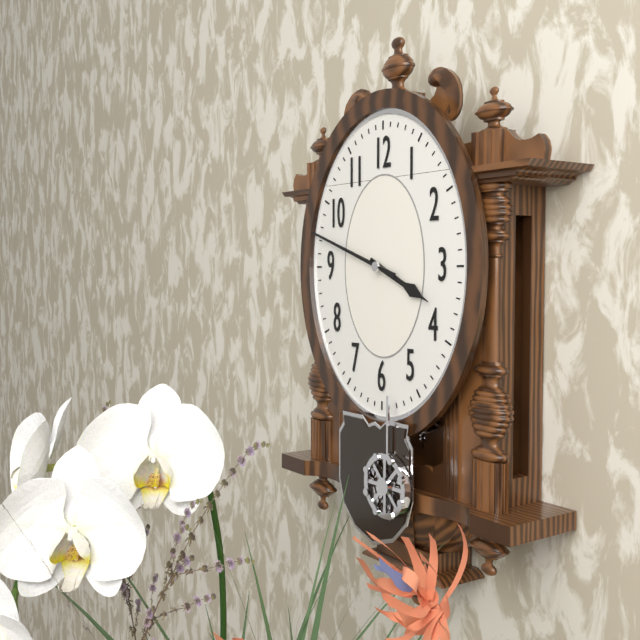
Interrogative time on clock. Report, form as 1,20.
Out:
3,48
